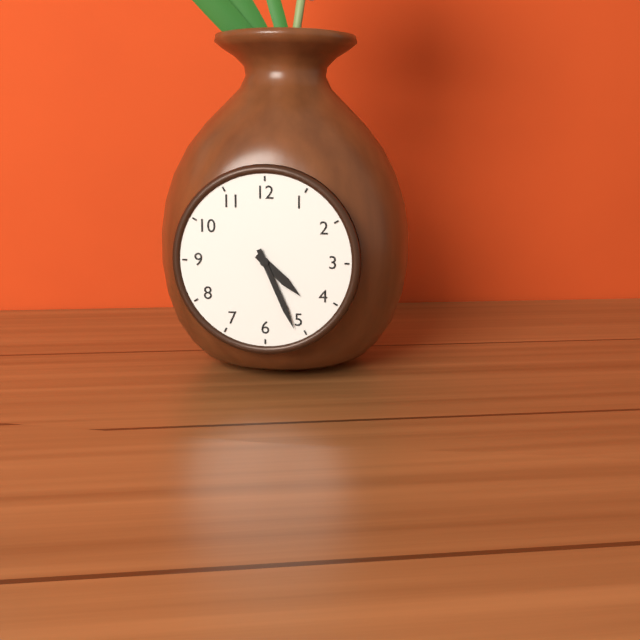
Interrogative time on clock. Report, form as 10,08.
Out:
4,26
